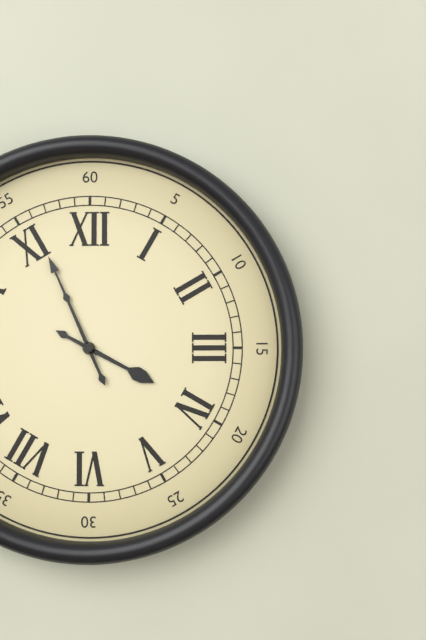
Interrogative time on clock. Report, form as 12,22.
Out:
3,56
